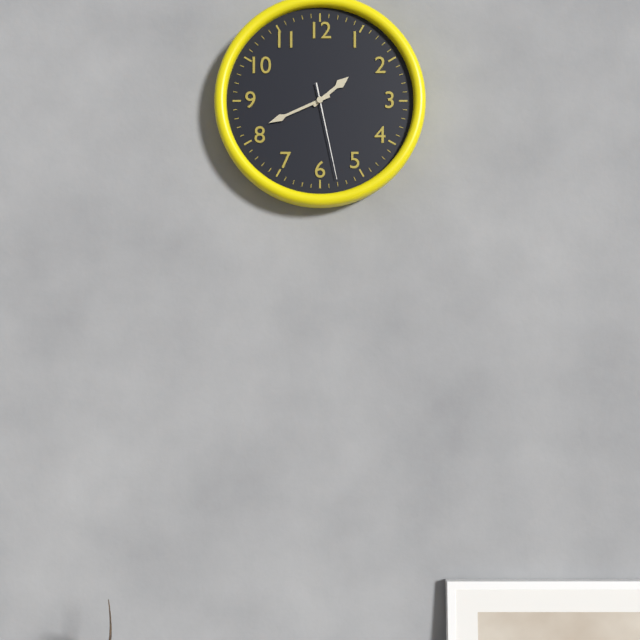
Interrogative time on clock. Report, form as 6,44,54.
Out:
1,41,28
